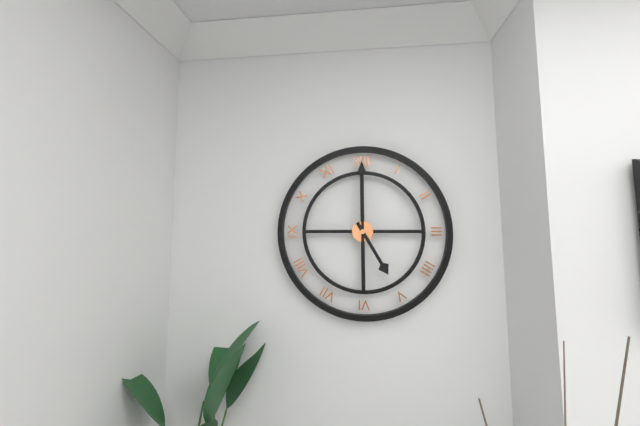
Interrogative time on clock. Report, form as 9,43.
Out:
5,00
